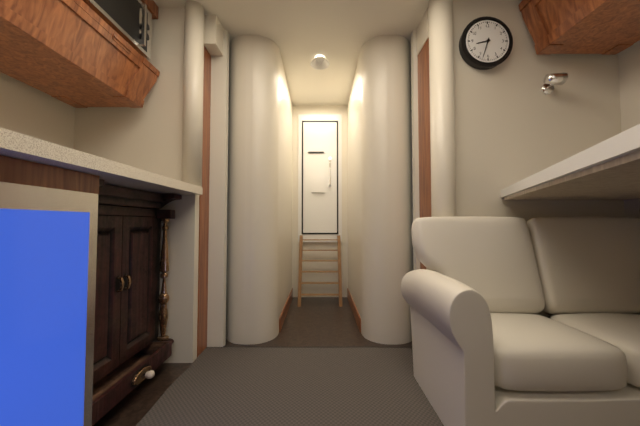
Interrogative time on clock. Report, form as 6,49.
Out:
8,33
